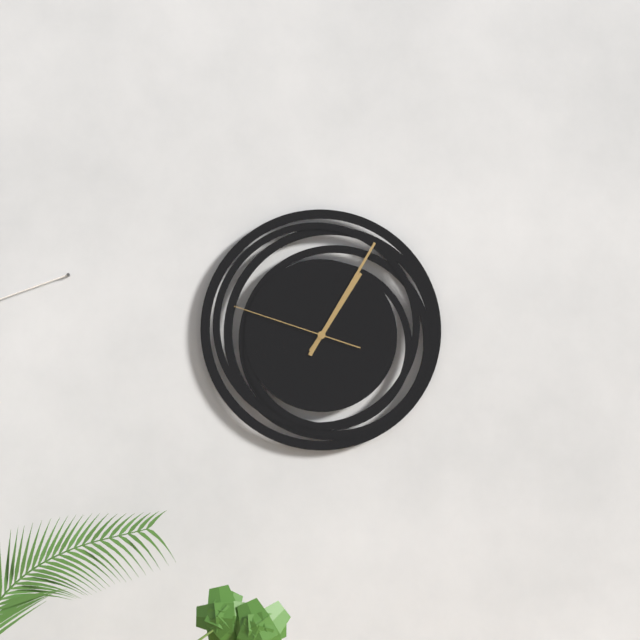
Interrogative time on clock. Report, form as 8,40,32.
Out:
1,05,48
